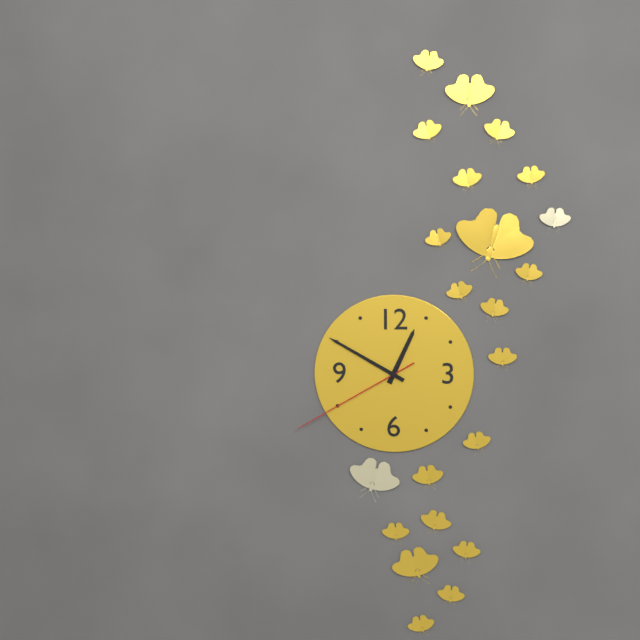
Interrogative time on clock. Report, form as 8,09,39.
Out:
12,50,40
